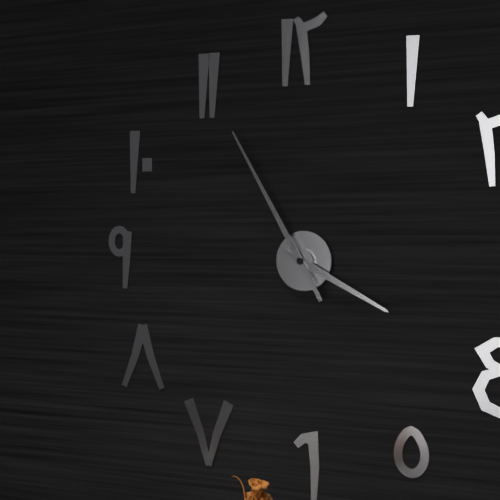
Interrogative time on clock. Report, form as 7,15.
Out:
3,55
